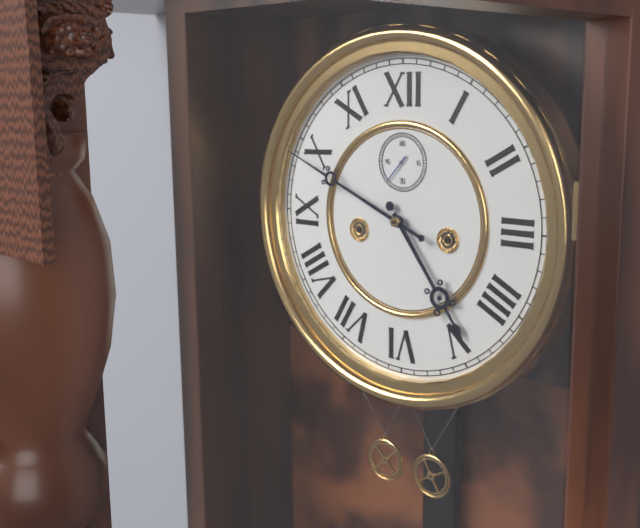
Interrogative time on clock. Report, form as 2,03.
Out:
4,49
